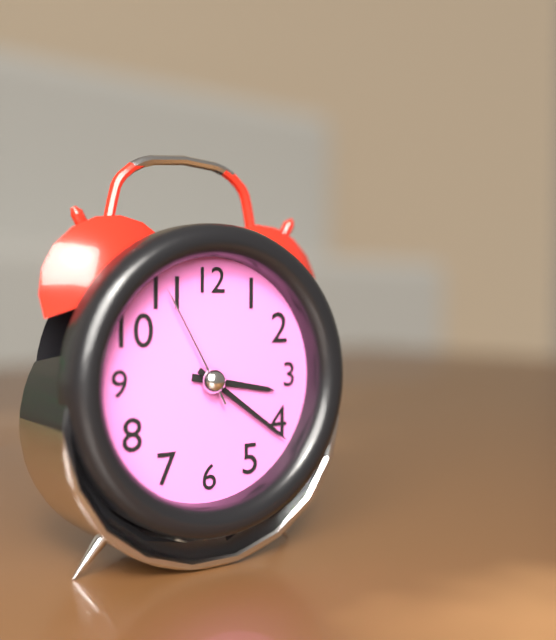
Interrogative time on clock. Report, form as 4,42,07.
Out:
3,21,55
